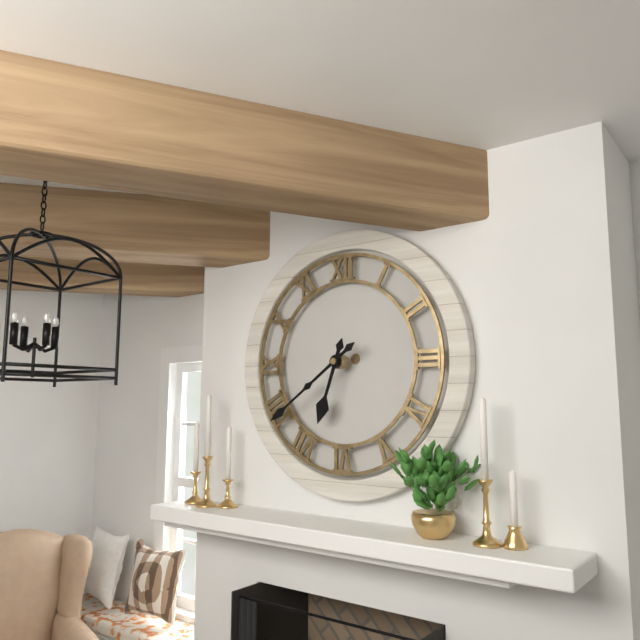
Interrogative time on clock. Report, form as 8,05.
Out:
6,39
